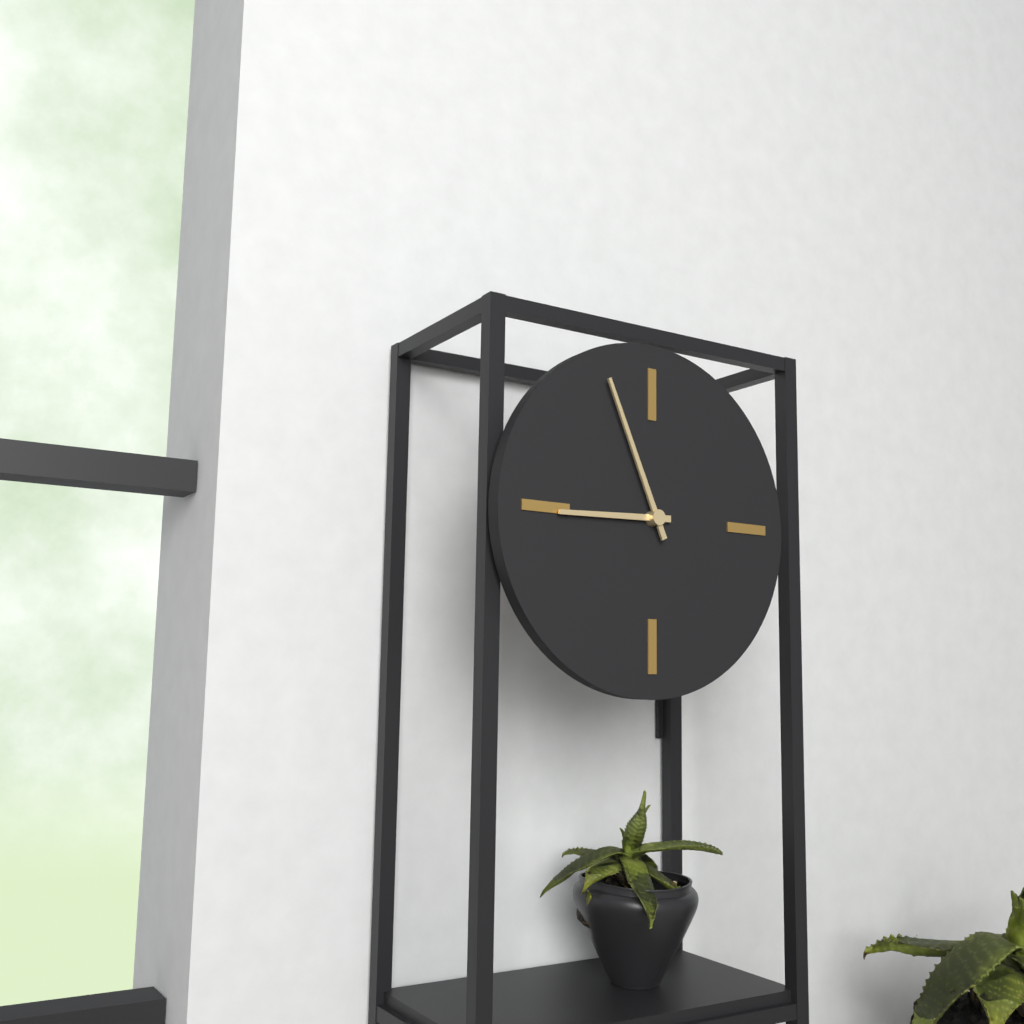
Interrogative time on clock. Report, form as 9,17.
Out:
8,56
